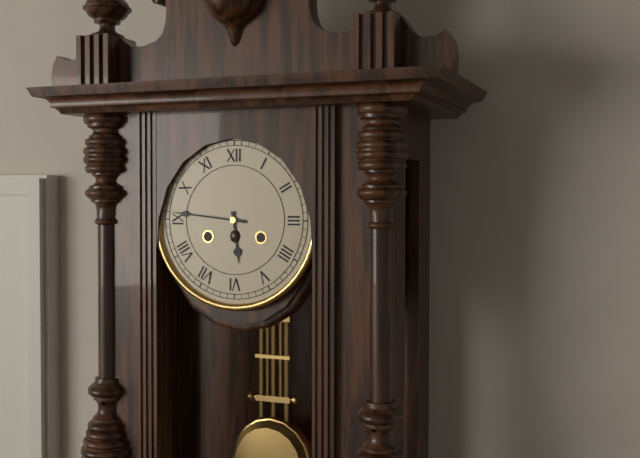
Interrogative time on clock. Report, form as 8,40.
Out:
5,46
